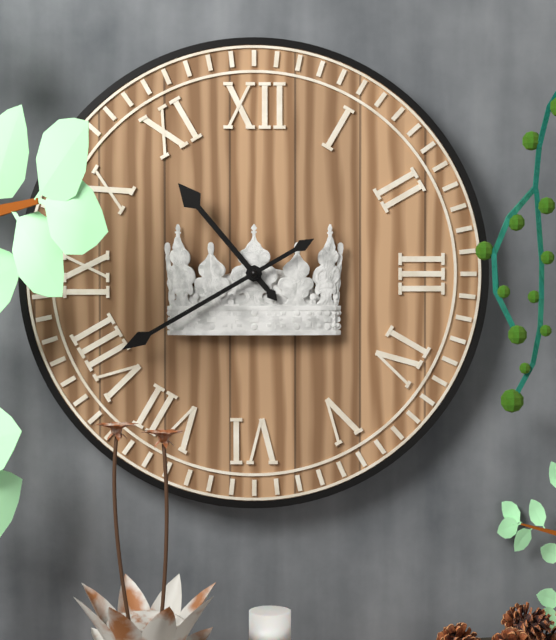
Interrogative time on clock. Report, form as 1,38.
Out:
10,40
